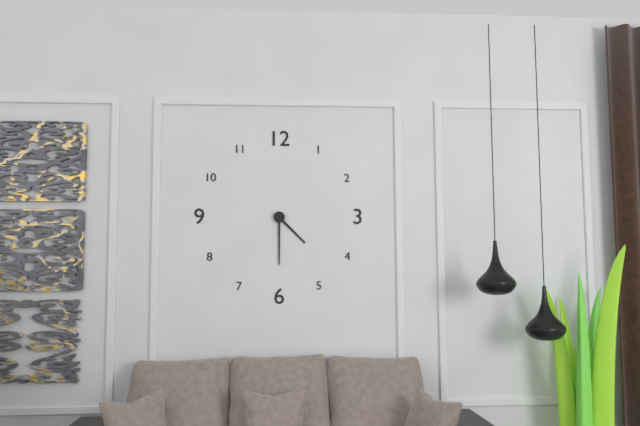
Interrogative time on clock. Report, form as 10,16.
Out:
4,30
